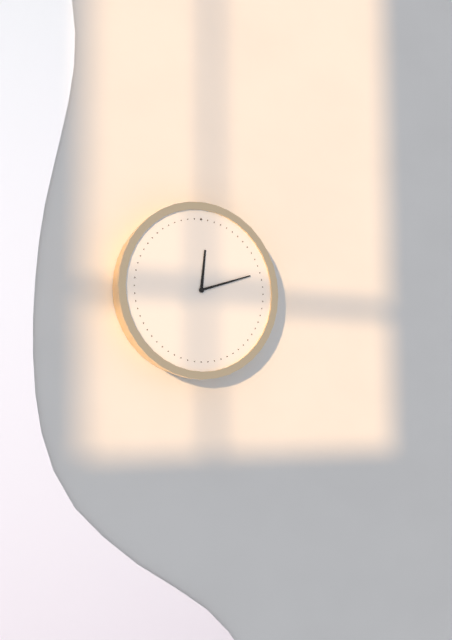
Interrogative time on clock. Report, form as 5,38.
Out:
12,12
